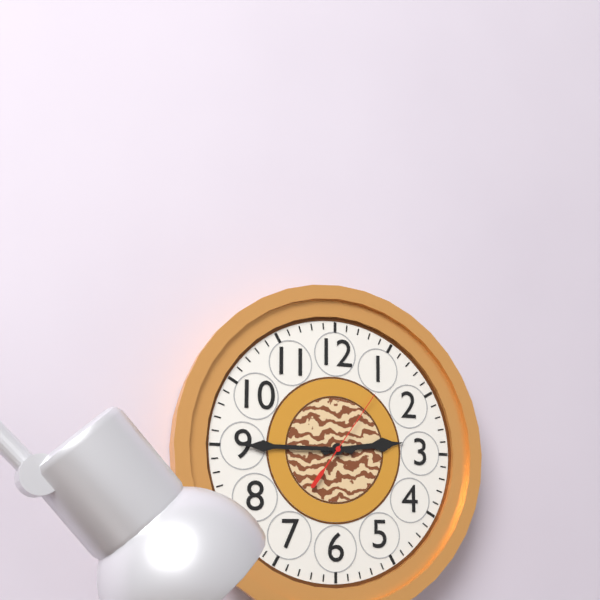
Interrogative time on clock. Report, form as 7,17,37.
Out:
2,45,06
